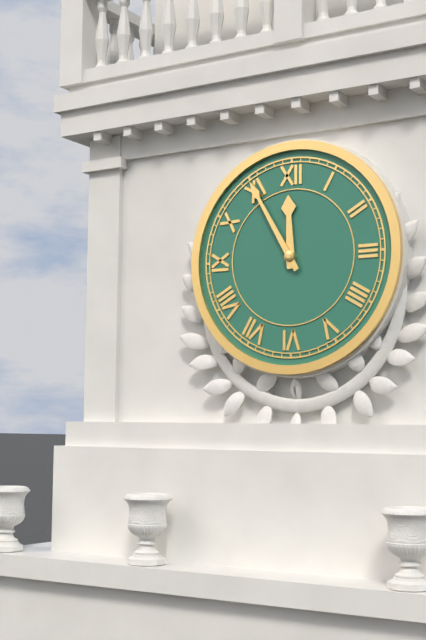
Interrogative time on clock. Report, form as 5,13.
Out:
11,55
